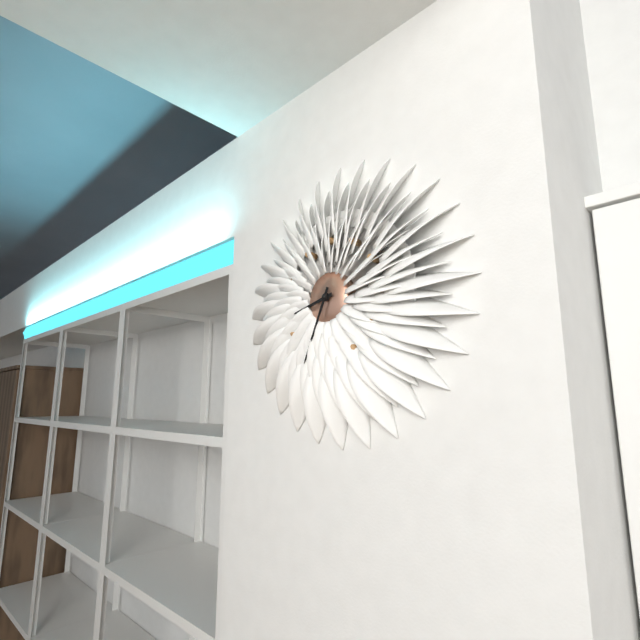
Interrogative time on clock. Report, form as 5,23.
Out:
8,34
